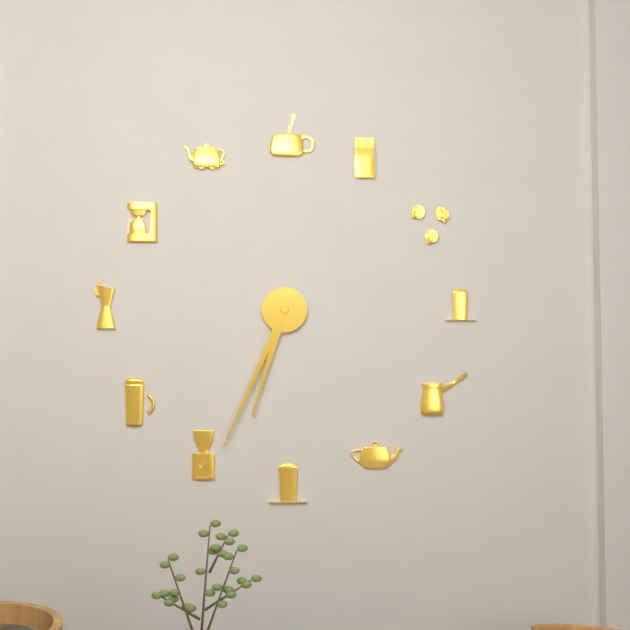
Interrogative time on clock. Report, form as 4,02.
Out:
6,34
